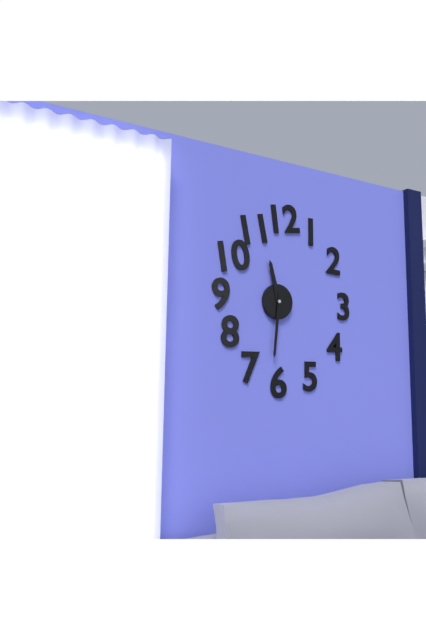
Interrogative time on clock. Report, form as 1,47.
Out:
11,31
